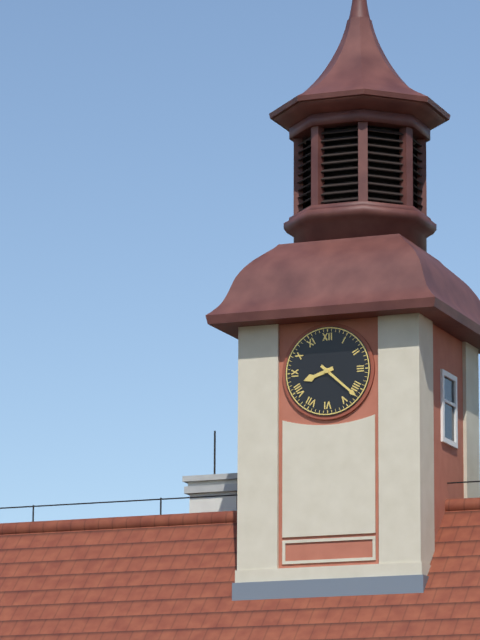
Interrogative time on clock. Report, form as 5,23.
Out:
8,22
